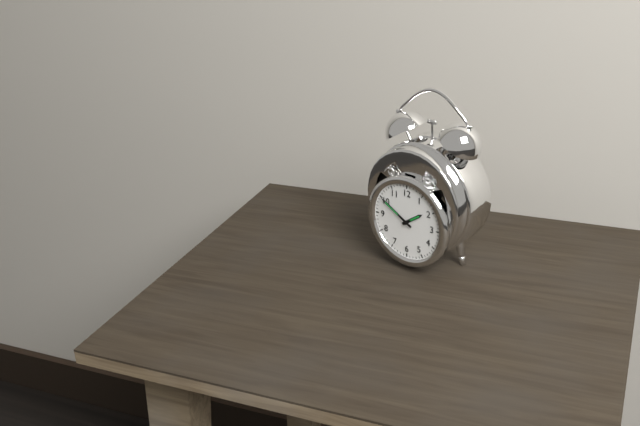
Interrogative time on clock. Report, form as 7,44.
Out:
1,50
